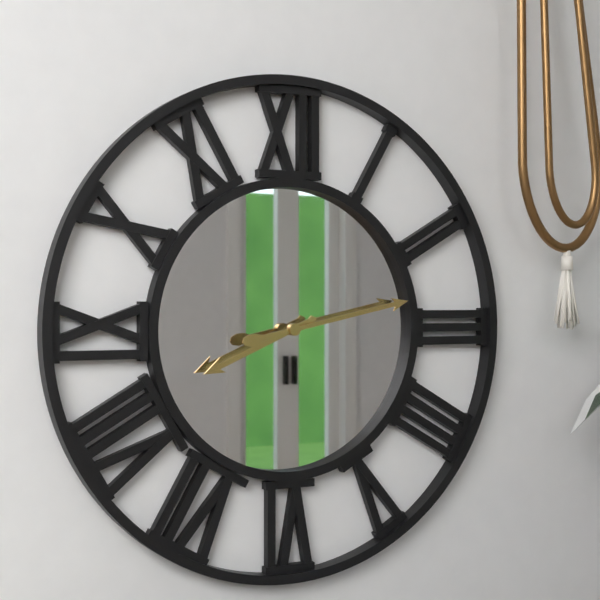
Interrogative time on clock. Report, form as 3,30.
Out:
8,13
